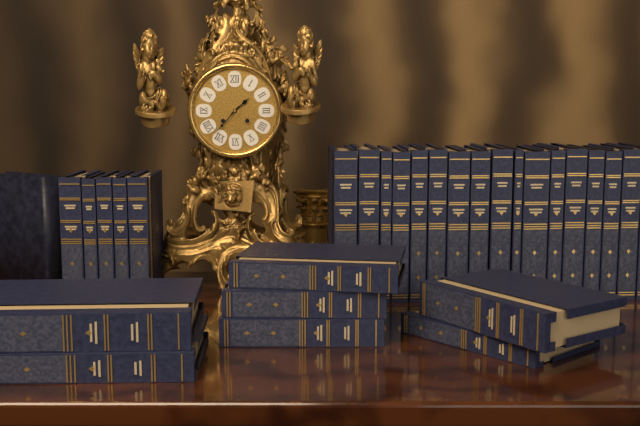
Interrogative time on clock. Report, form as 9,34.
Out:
1,37
